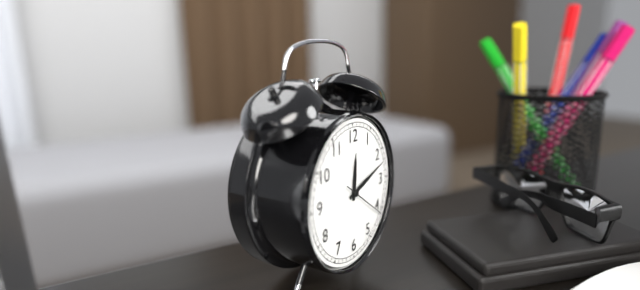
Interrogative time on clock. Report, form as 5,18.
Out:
12,12
